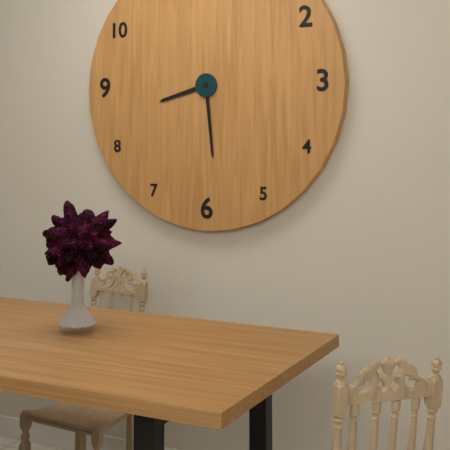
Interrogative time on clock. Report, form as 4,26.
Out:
8,29
